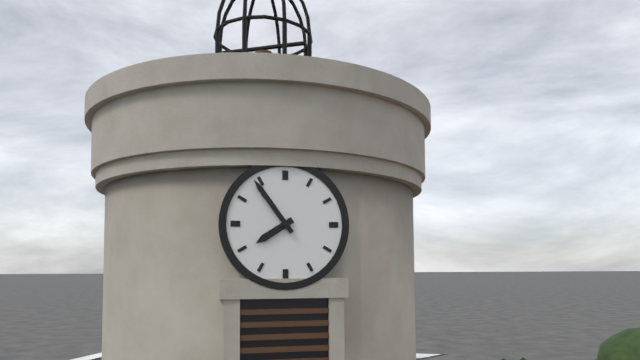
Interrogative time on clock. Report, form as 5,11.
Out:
7,54
